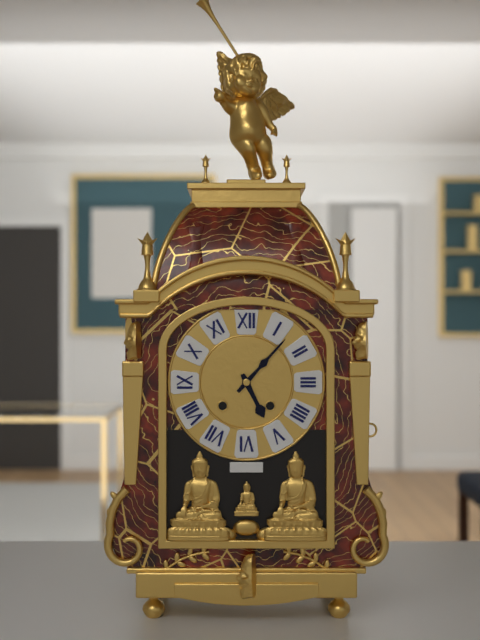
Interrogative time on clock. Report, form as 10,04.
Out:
5,07
